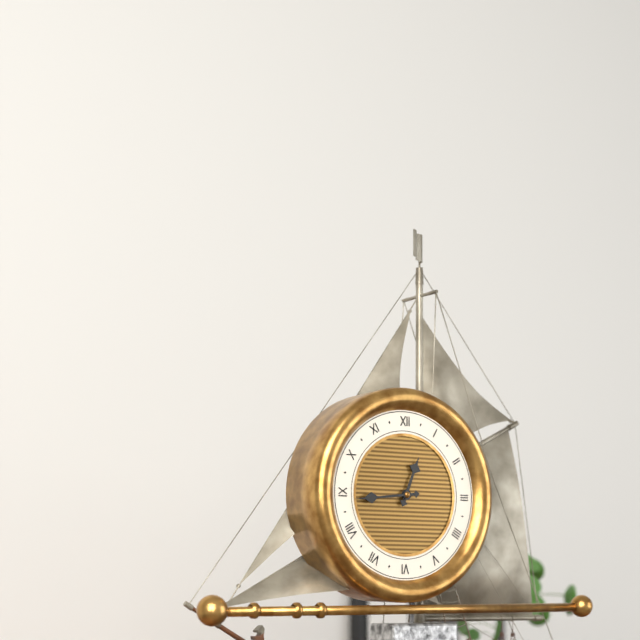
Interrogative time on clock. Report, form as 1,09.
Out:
12,44
